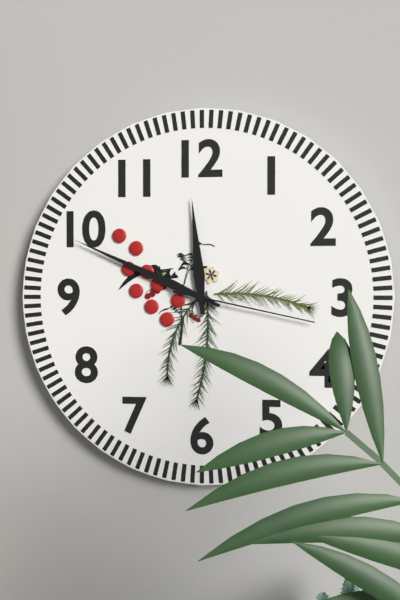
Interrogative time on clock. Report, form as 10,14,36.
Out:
11,49,17
